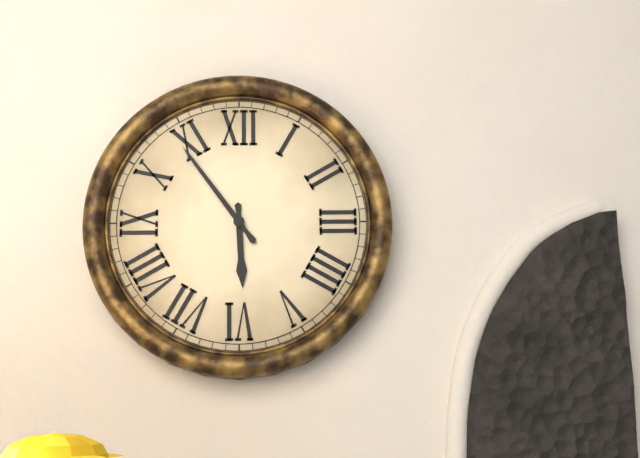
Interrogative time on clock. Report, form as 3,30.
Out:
5,54
